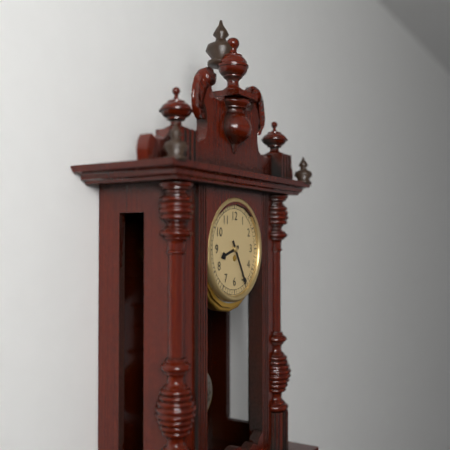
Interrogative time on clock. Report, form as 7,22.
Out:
8,25
